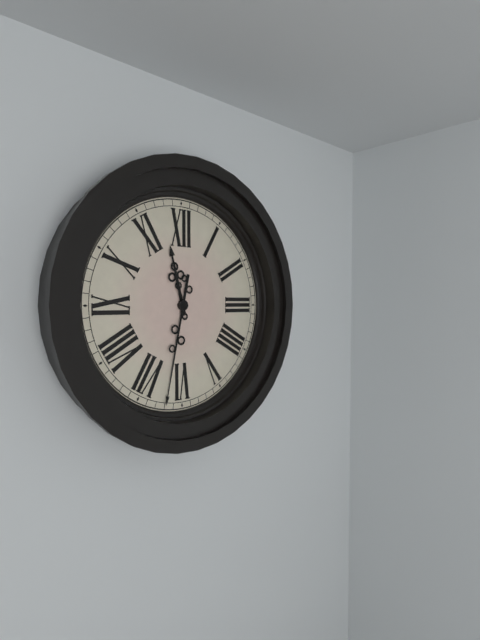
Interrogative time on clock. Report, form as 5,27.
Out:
11,32
